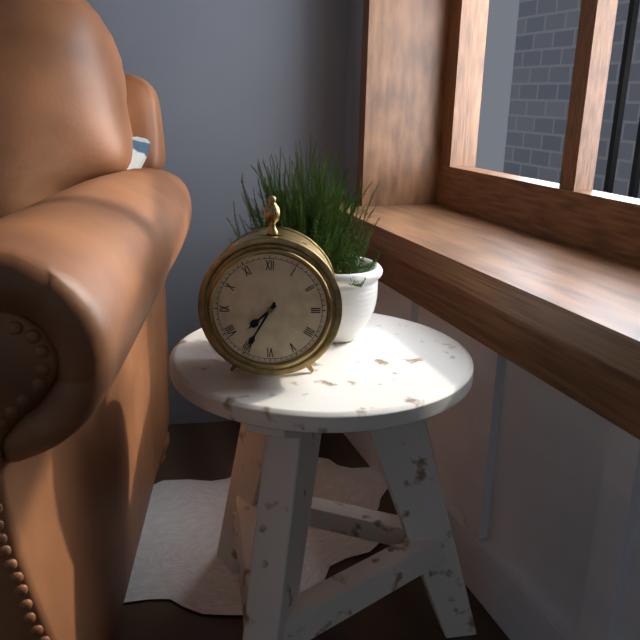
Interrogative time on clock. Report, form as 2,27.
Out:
7,35
